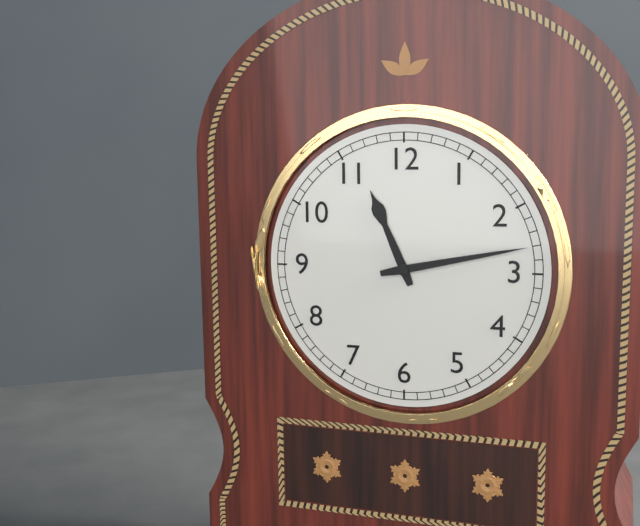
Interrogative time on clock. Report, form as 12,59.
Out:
11,13
